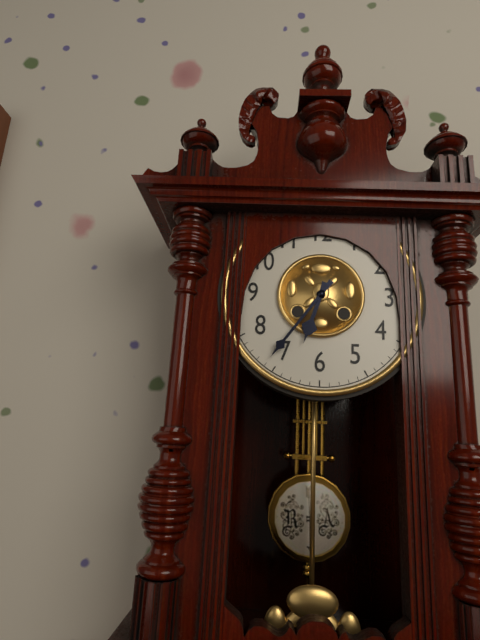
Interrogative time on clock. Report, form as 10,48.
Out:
6,36
